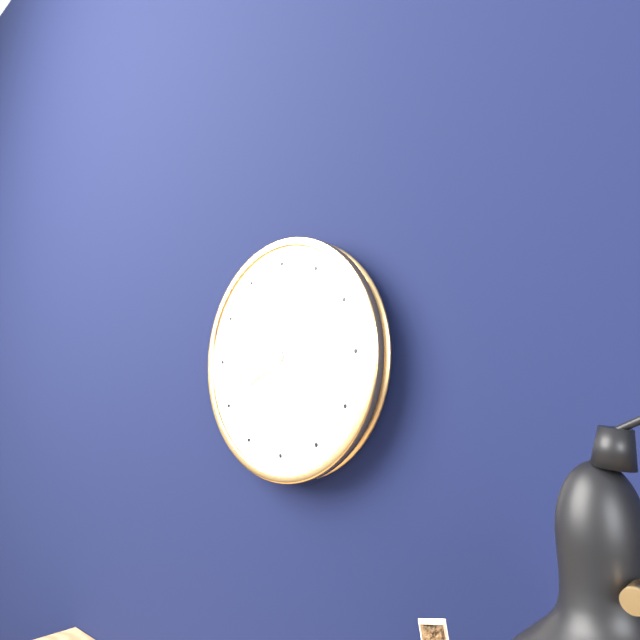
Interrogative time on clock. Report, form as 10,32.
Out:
8,01
